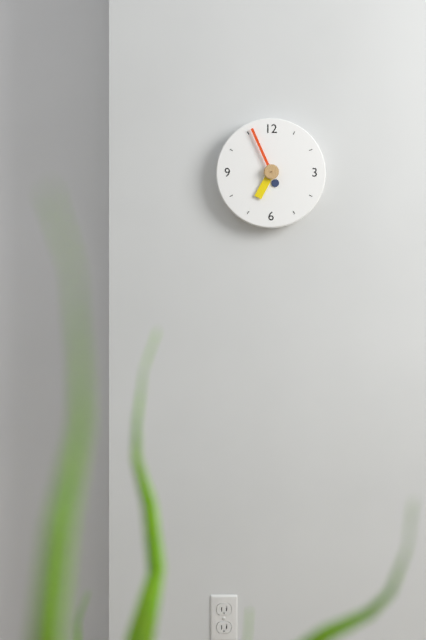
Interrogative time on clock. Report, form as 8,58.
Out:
6,56
